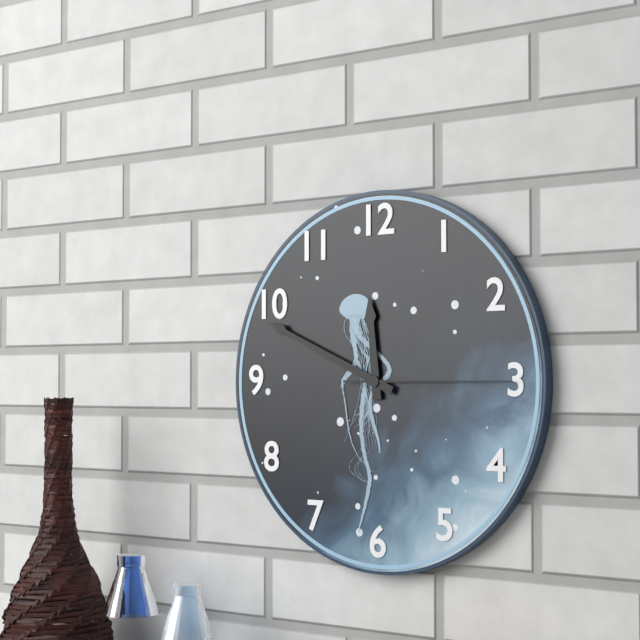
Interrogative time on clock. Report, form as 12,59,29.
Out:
11,49,15
